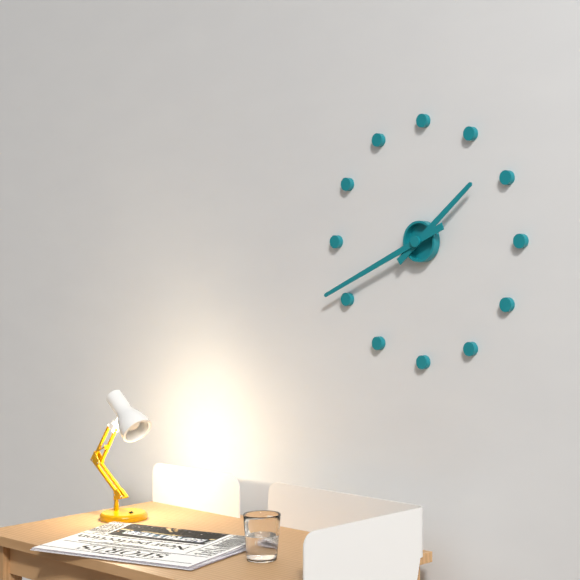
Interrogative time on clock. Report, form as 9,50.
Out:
1,41
